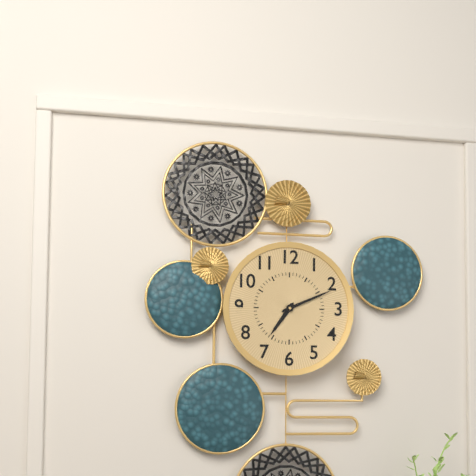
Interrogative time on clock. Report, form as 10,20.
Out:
7,11
